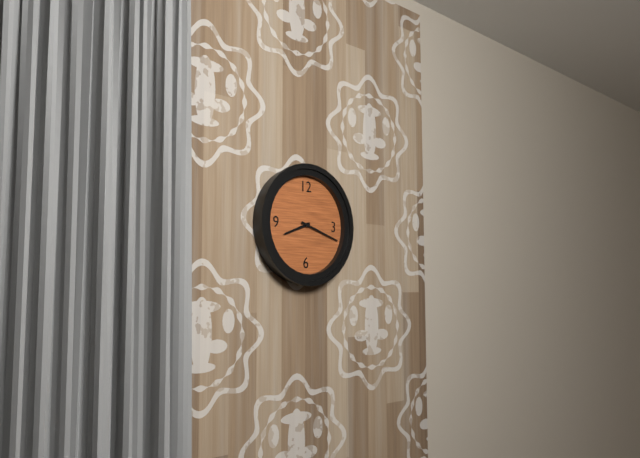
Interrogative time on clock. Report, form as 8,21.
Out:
8,18
